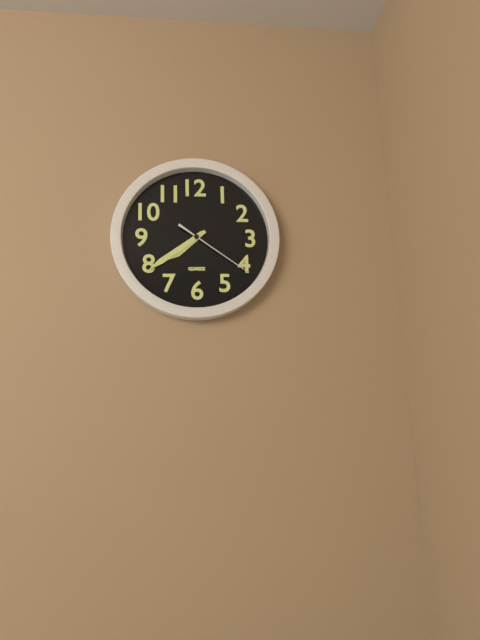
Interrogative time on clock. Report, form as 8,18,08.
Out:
7,39,21
